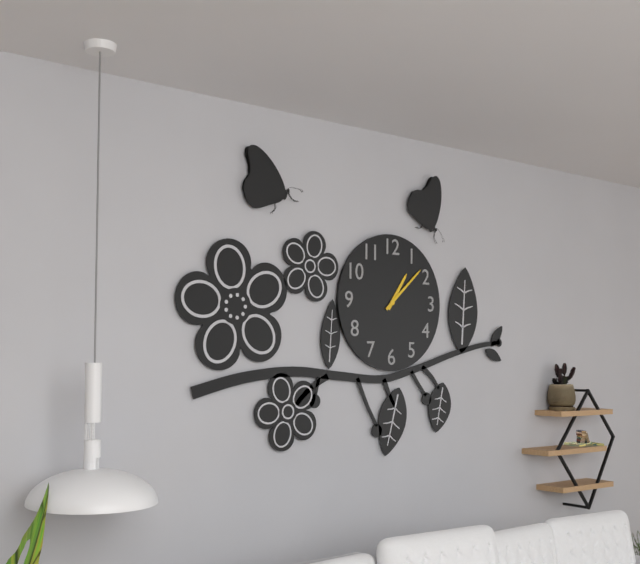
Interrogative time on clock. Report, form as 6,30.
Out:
1,08
